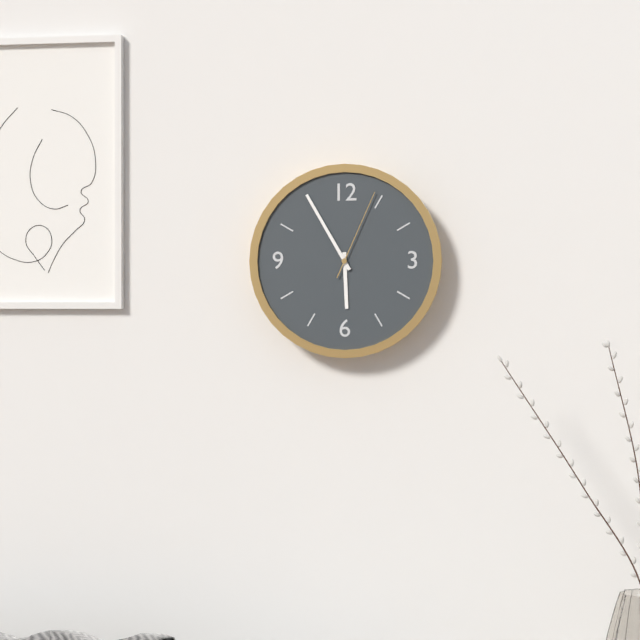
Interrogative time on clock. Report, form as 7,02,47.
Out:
5,55,04
